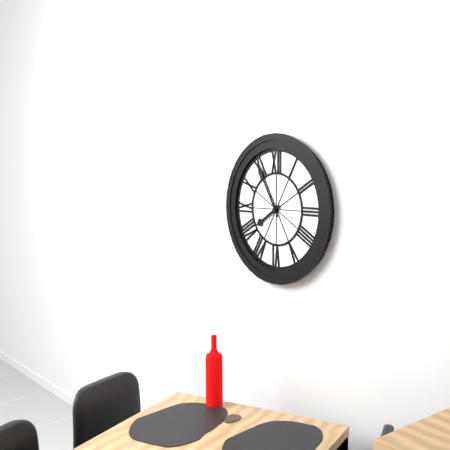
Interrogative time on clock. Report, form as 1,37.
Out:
7,55
